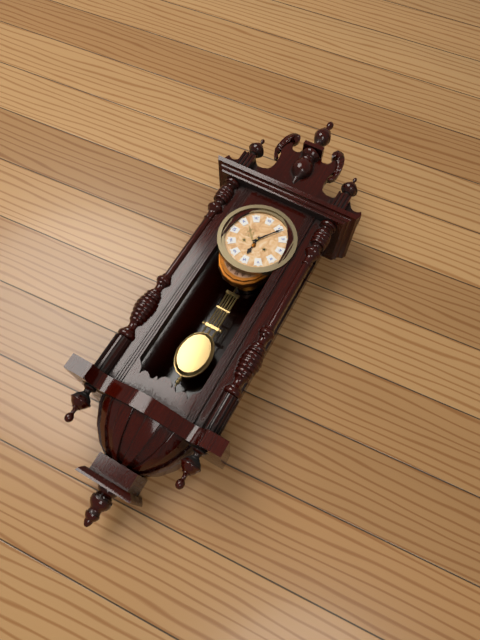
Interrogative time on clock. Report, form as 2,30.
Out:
6,06
